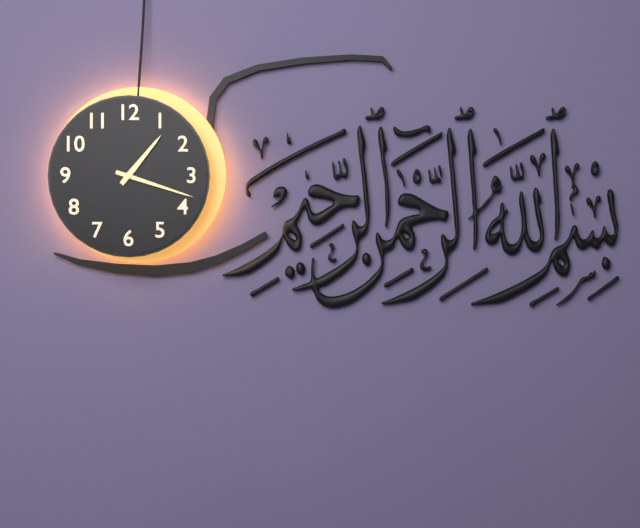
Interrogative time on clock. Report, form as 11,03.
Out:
1,18
